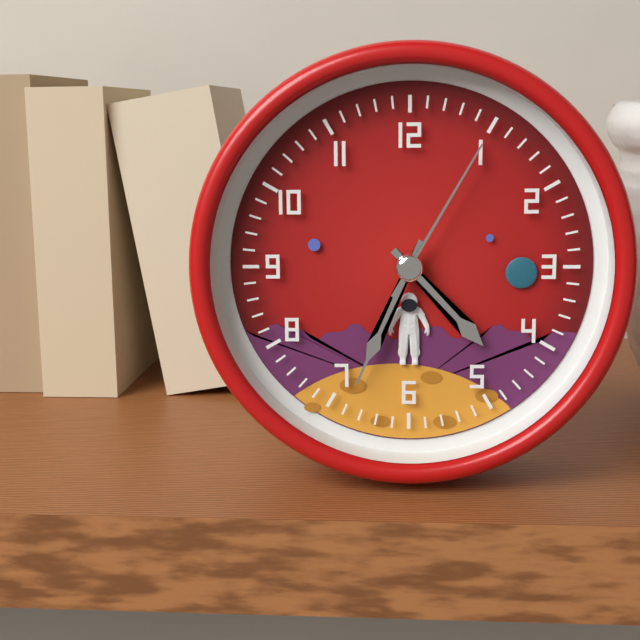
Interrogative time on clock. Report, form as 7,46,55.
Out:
4,34,05
